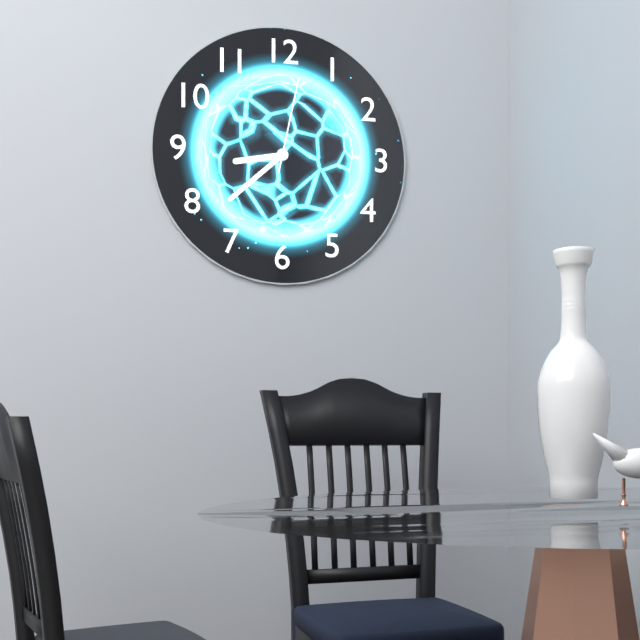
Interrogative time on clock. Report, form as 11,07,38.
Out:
8,38,02
